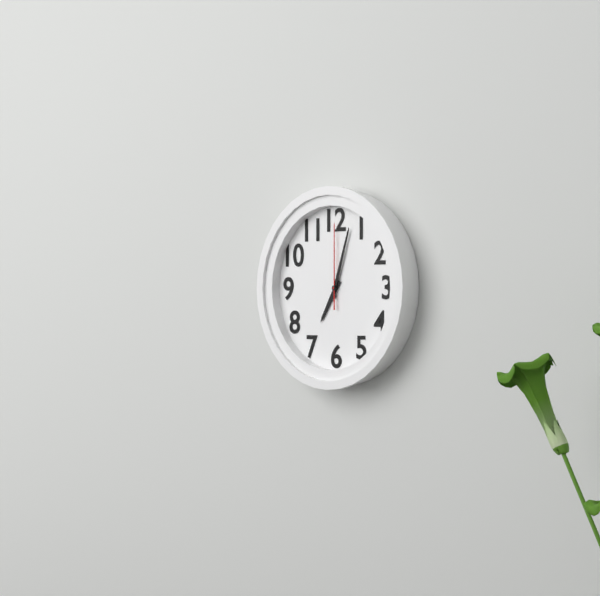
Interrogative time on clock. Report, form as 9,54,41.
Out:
7,03,00
